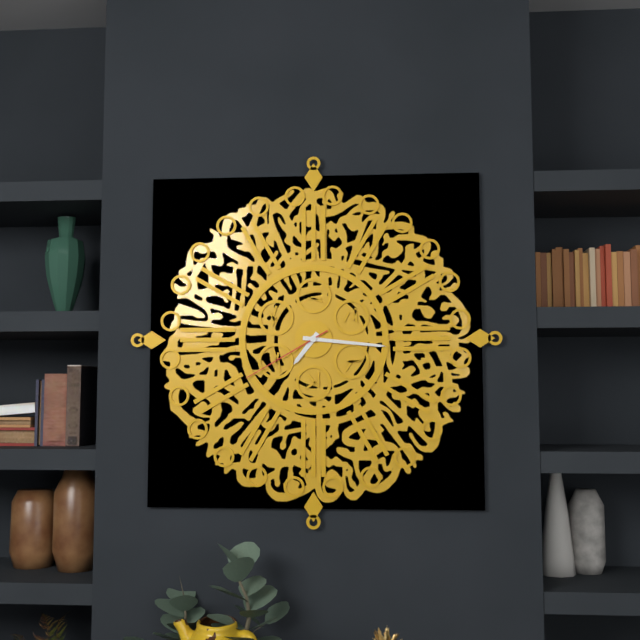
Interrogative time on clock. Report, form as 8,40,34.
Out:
7,16,40
